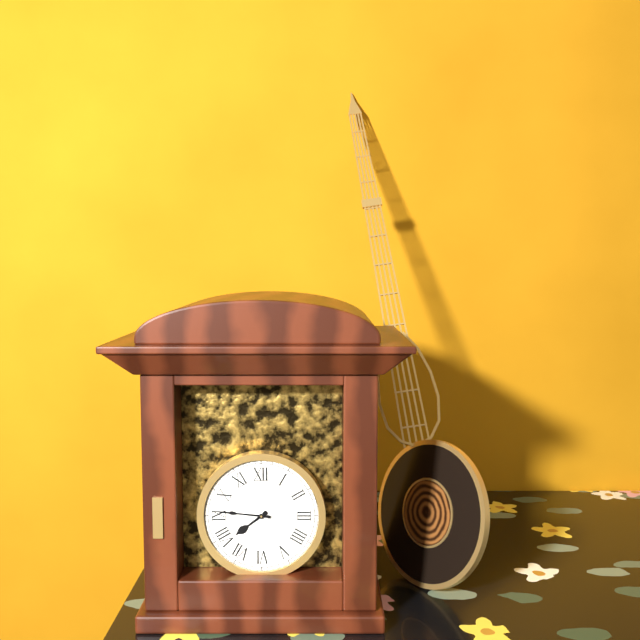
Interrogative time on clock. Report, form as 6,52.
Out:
7,46
